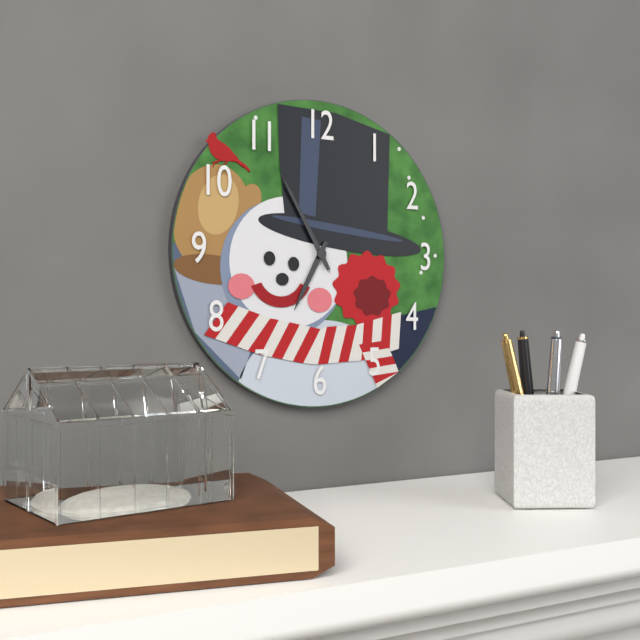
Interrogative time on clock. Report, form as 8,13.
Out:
6,55
